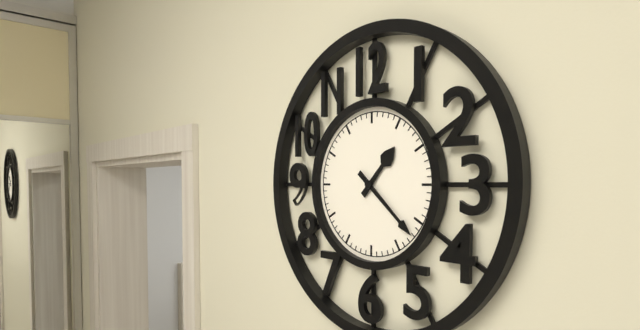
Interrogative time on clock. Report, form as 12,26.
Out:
1,22
